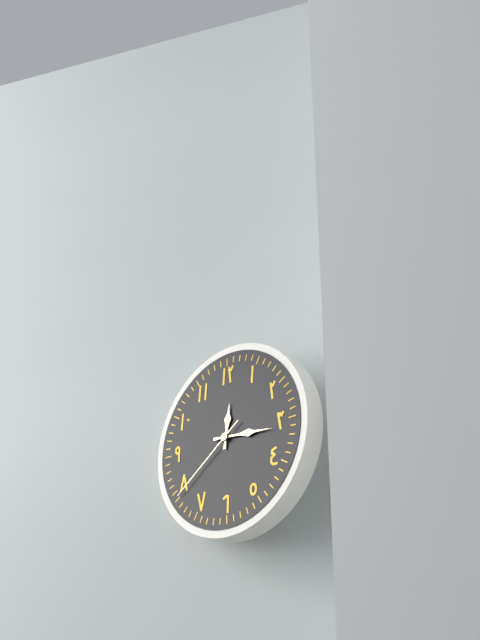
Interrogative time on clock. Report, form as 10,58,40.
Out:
12,16,39
